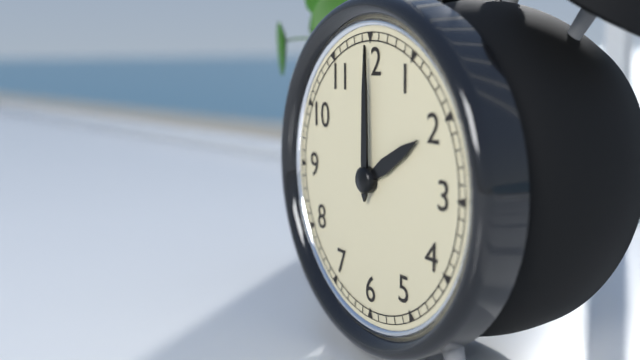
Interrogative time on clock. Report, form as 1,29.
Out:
2,00
